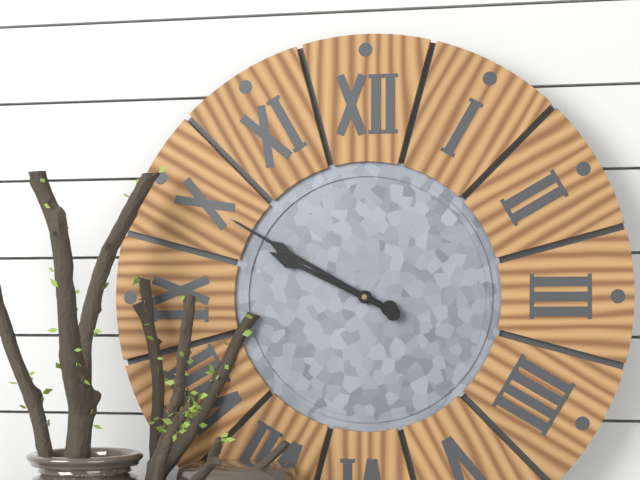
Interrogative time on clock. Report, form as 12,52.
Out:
9,50
